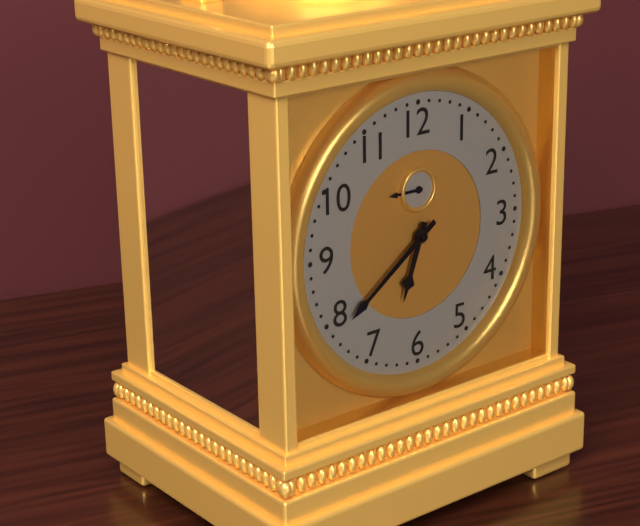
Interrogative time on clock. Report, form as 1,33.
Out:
6,39
